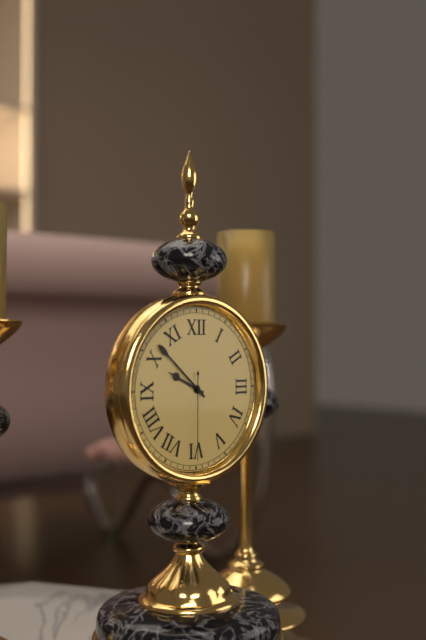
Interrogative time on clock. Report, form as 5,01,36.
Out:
9,52,30
